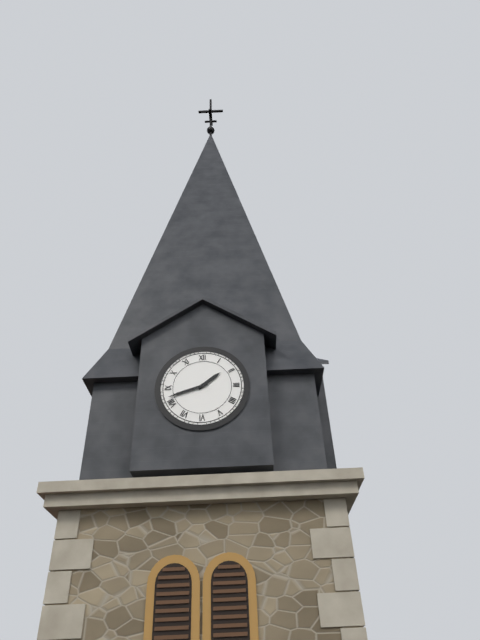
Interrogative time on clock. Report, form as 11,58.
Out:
1,42
